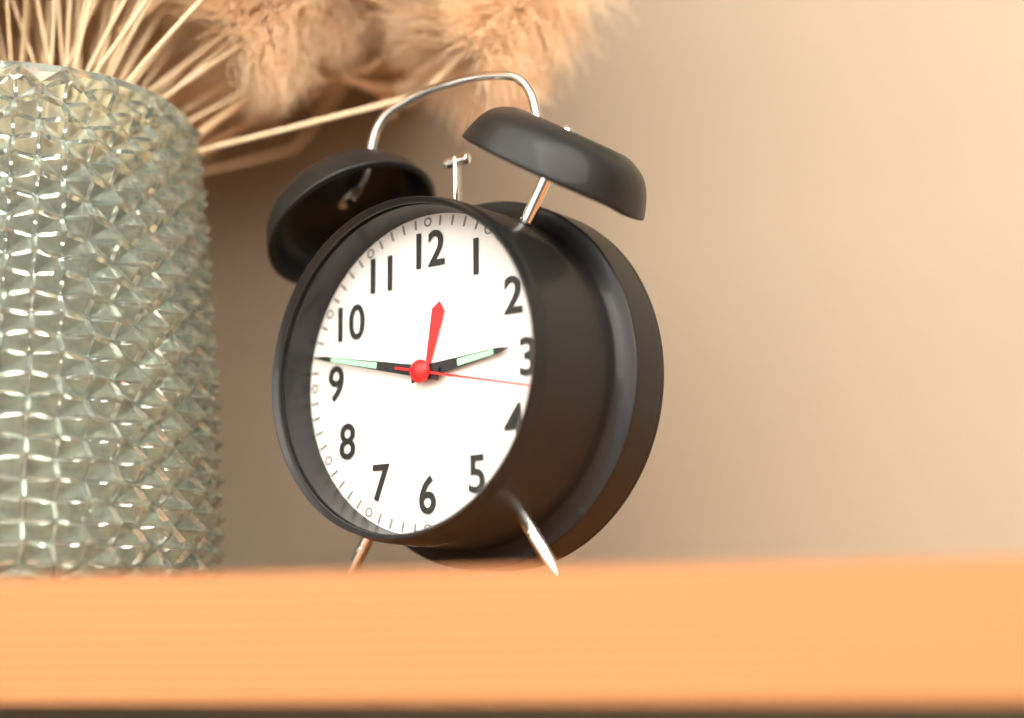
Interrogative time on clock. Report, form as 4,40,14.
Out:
2,47,17
